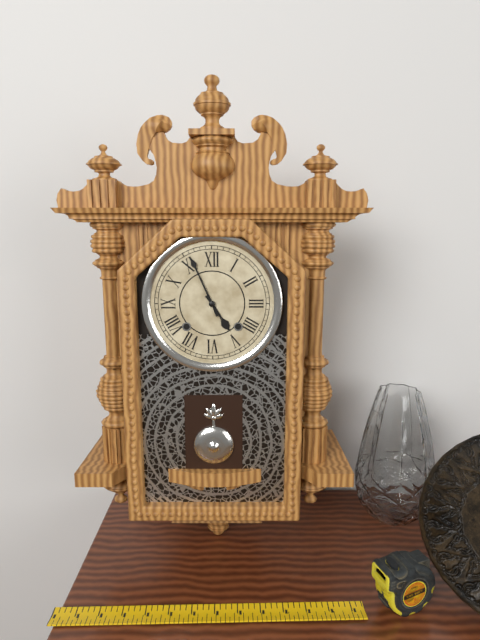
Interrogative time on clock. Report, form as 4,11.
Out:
4,56
